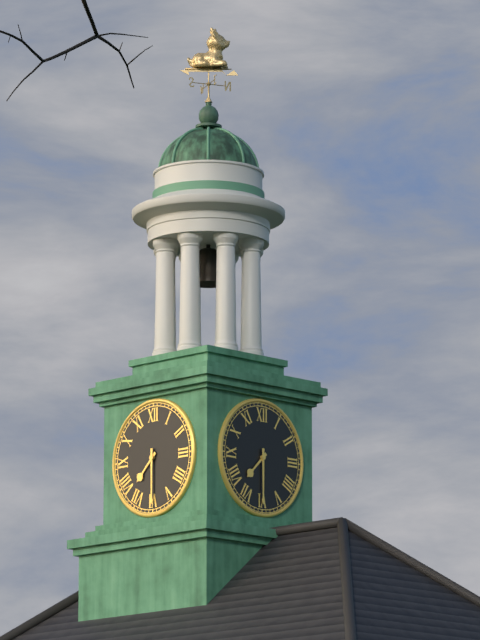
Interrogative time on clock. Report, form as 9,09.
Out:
7,30
